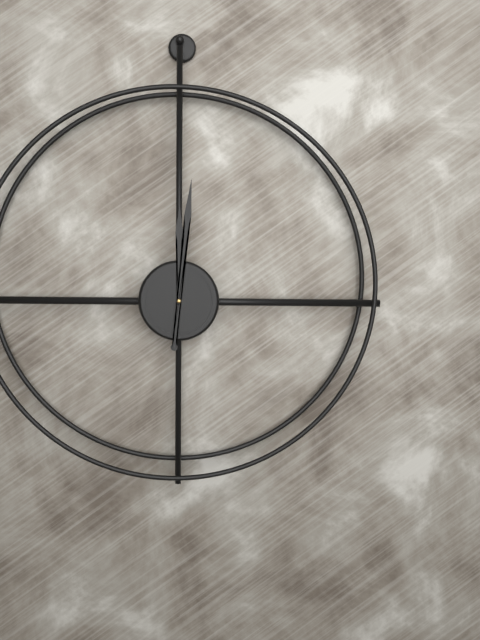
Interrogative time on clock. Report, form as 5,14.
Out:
12,01
